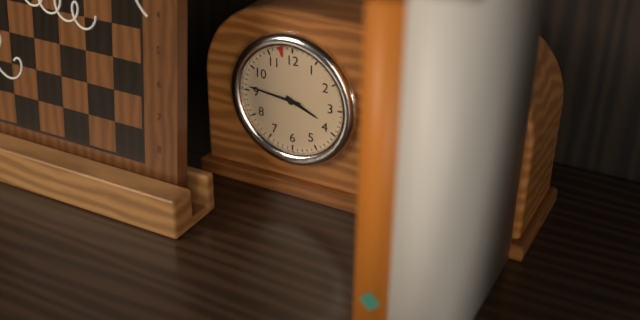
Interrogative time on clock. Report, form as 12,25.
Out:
3,46
